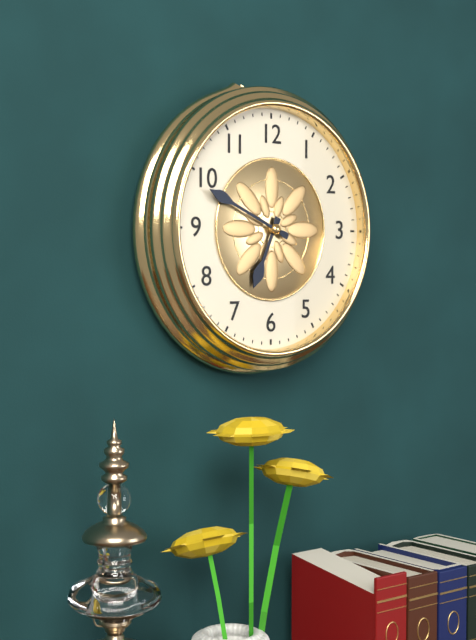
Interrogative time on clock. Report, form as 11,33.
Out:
6,49
